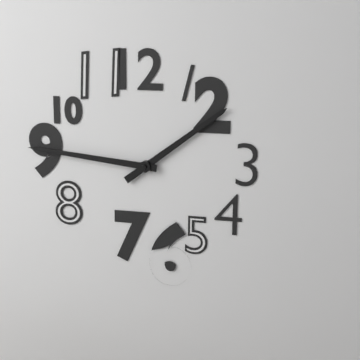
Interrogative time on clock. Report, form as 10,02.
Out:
1,46
